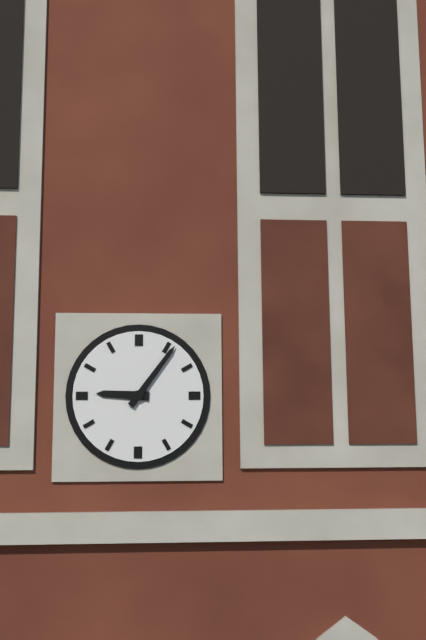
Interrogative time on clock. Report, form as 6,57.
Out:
9,06
